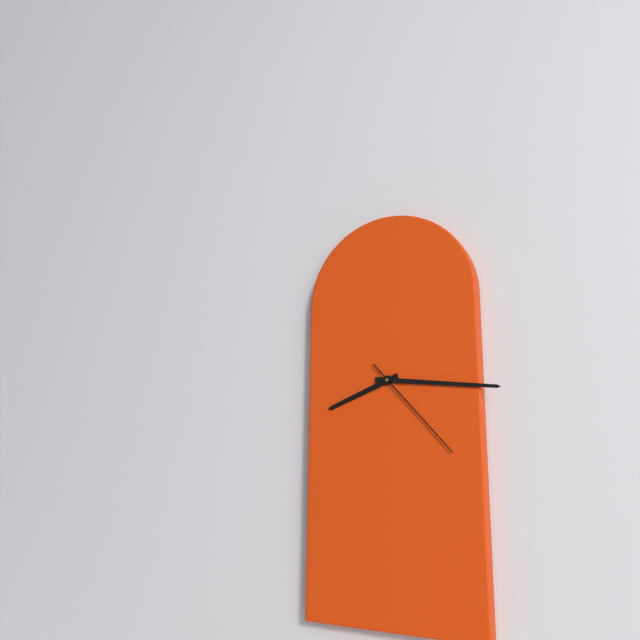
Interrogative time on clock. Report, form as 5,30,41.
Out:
8,16,23
